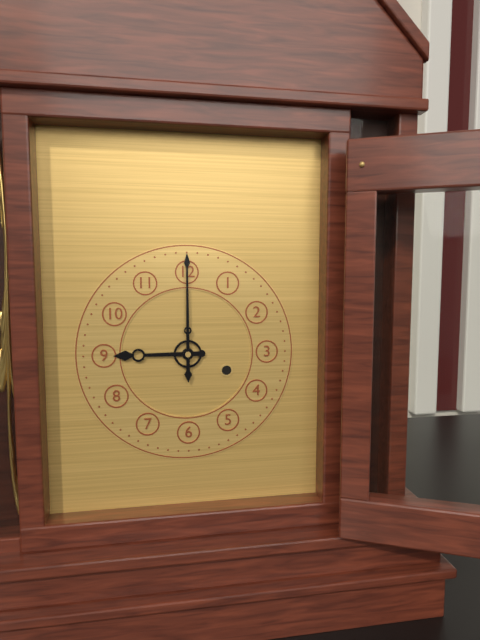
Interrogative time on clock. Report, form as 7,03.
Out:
9,00
